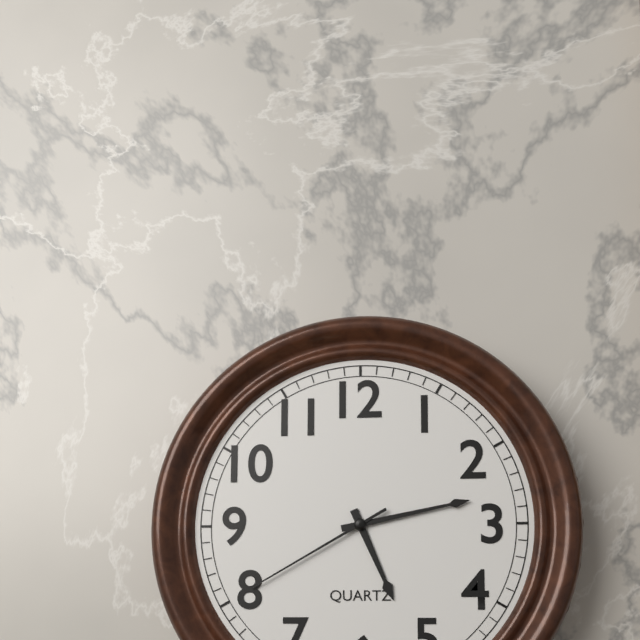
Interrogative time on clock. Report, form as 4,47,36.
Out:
5,13,40
